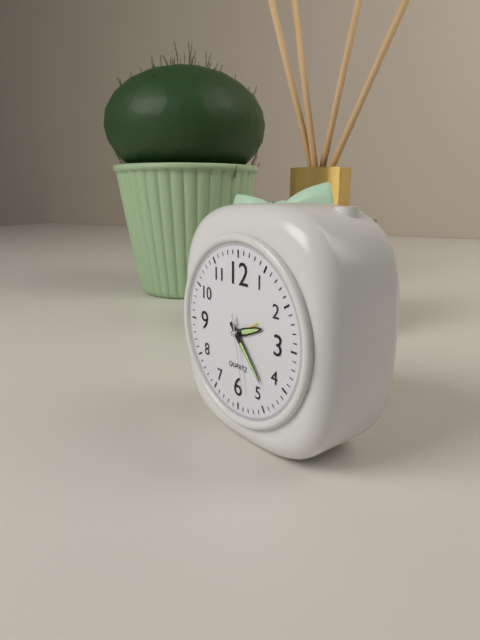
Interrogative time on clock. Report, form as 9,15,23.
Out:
2,23,28
